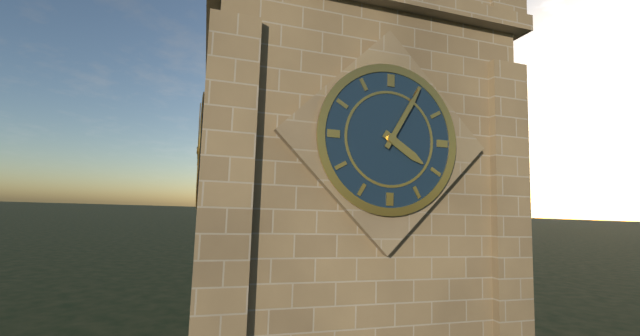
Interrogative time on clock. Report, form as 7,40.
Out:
4,05
